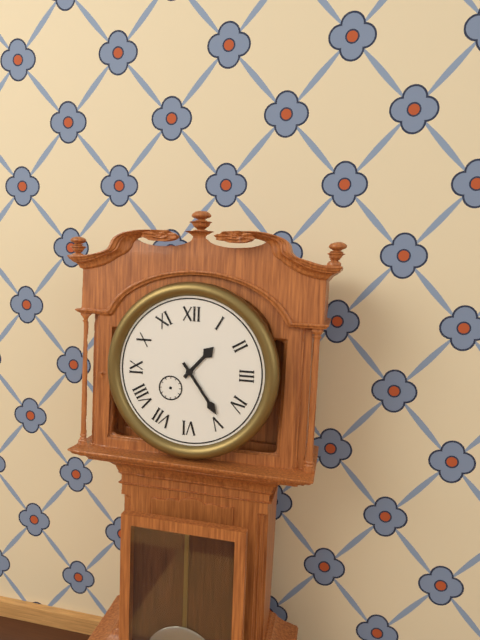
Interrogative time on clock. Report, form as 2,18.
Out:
1,24
